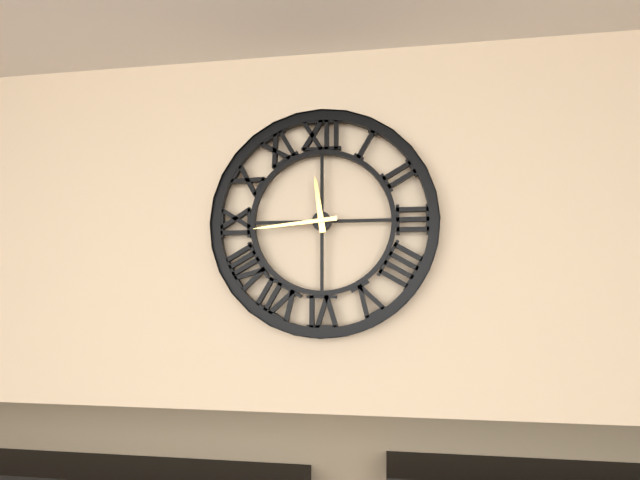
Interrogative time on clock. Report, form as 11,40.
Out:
11,44
